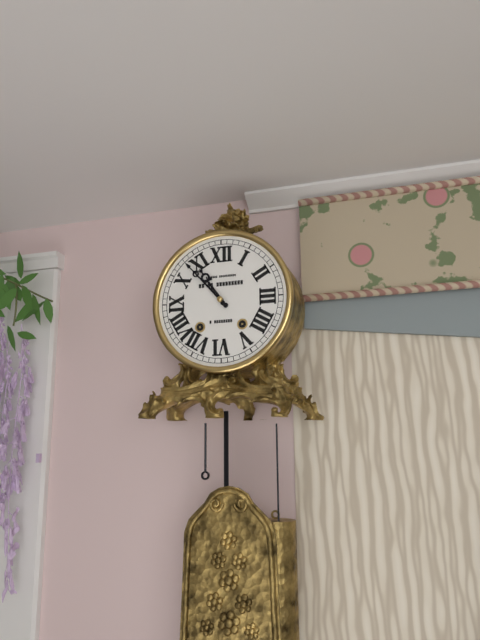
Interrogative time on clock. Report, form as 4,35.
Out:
10,53
